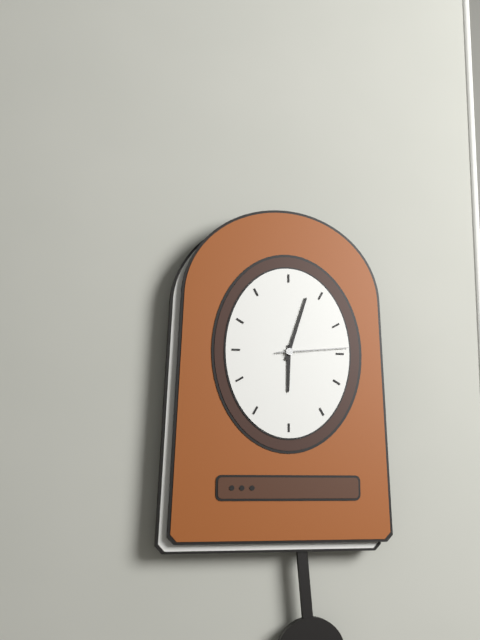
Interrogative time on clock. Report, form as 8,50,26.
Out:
6,03,14
